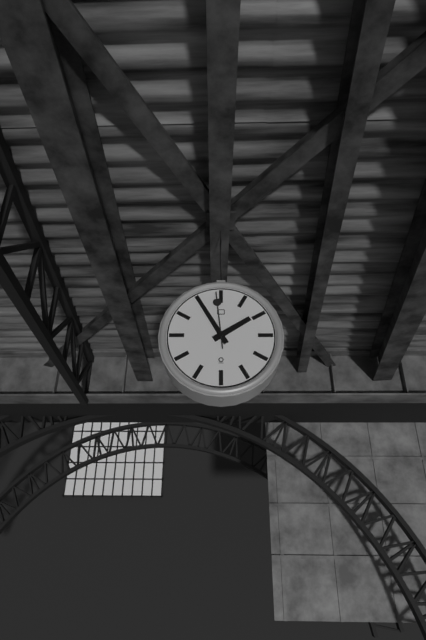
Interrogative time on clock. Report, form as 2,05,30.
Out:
1,55,59
